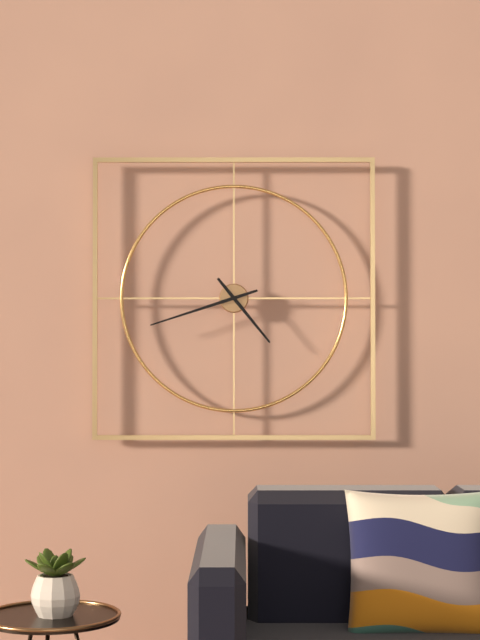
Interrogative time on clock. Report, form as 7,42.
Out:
4,42
